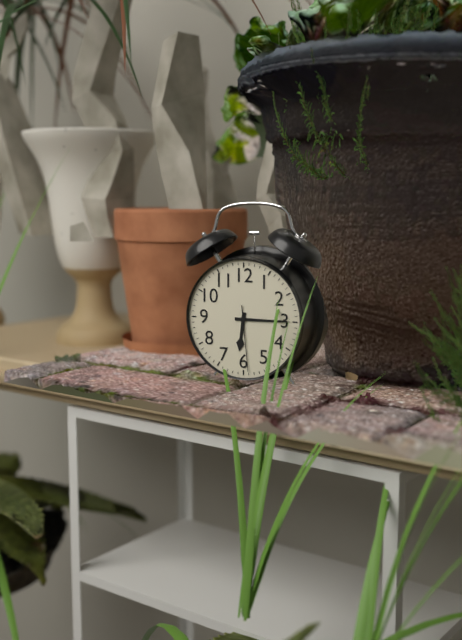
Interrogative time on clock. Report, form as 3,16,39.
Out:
6,15,29
